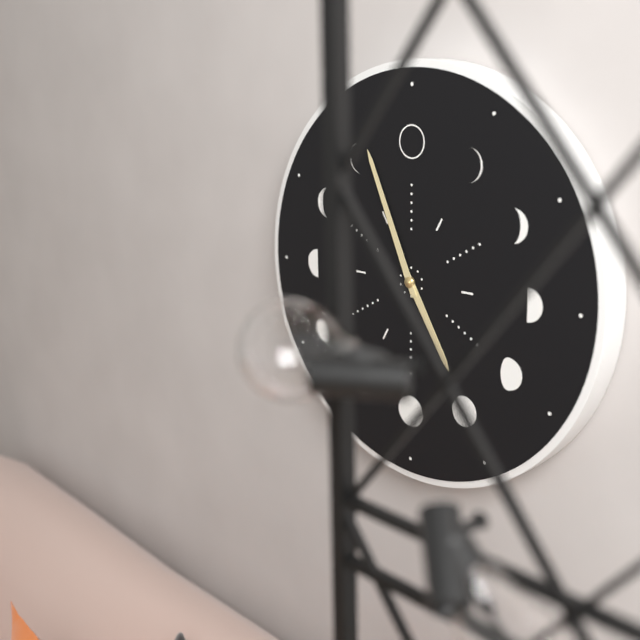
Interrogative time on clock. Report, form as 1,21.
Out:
4,56
